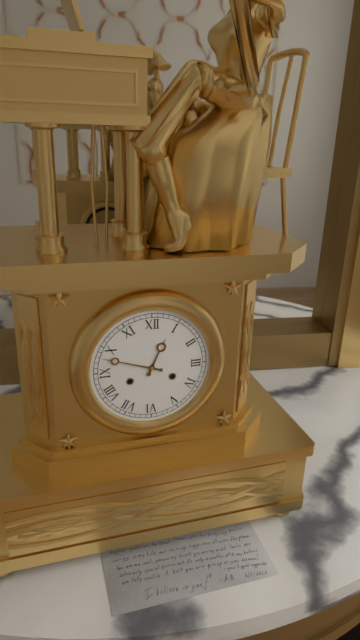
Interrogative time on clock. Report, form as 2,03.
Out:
12,48
